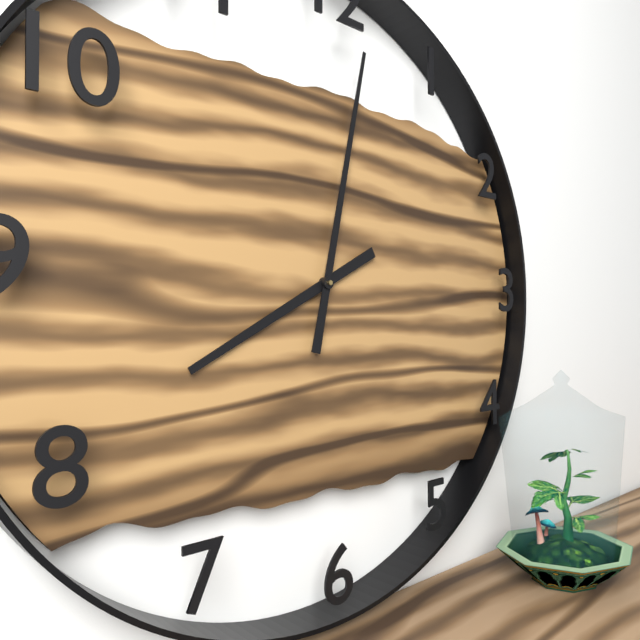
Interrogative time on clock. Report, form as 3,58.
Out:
8,02
